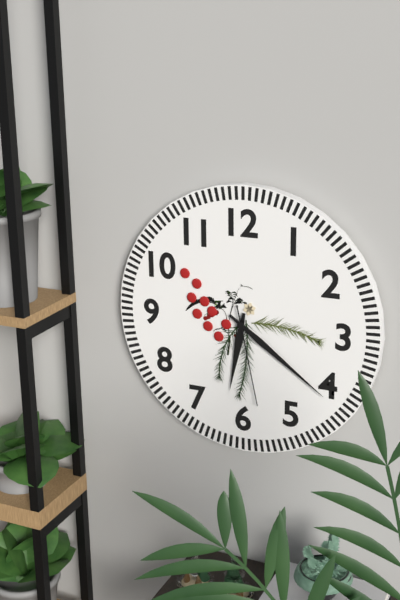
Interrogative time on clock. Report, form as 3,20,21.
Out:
6,21,28
